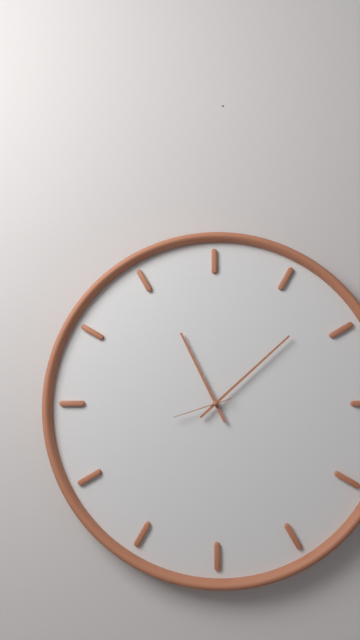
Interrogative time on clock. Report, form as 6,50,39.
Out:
11,08,42
